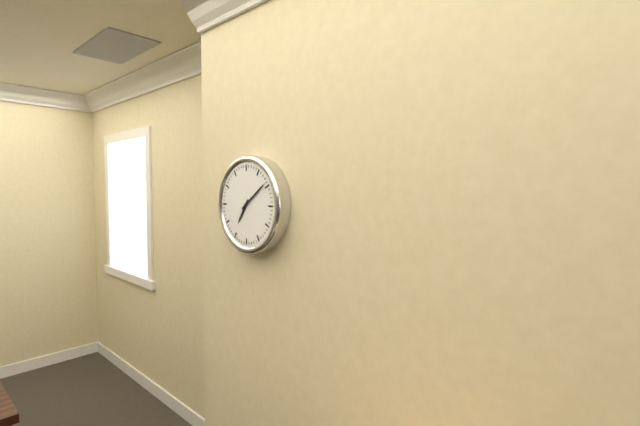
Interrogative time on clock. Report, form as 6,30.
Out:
7,09
